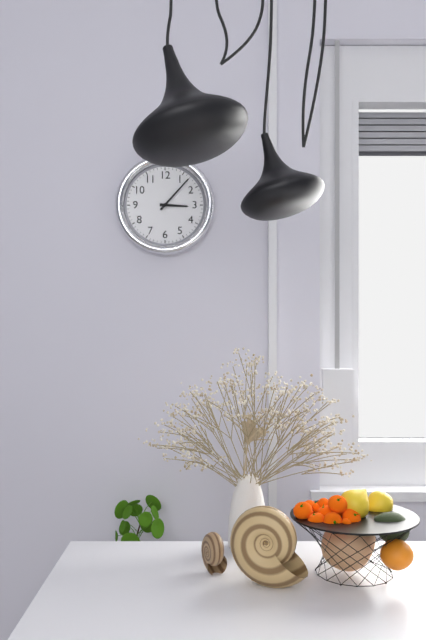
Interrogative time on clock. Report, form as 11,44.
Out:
3,07
